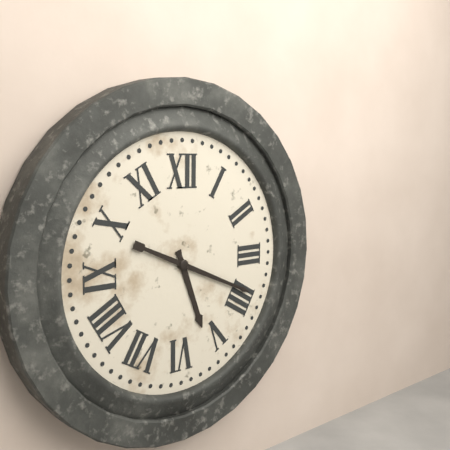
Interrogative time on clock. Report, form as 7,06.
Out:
5,19
